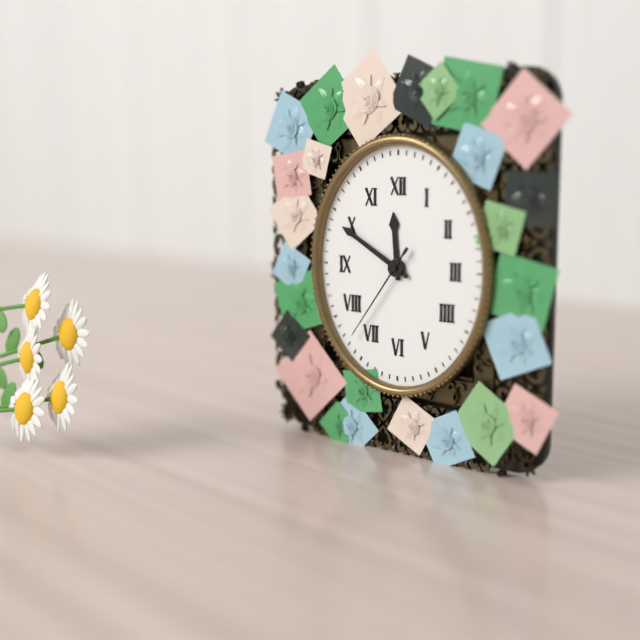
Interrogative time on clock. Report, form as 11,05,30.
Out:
11,50,36
